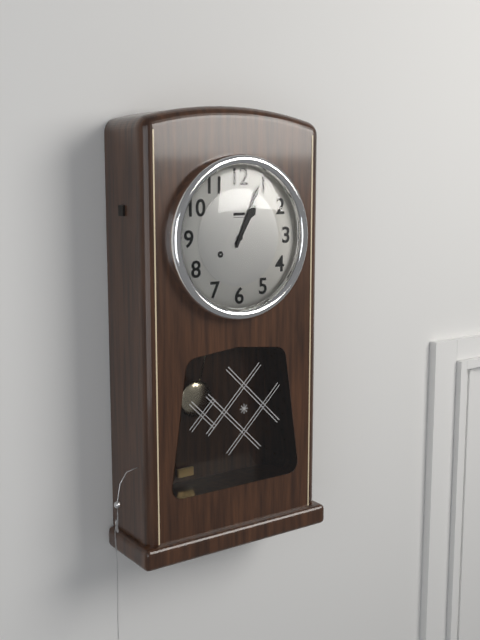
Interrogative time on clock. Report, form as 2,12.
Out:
1,04
